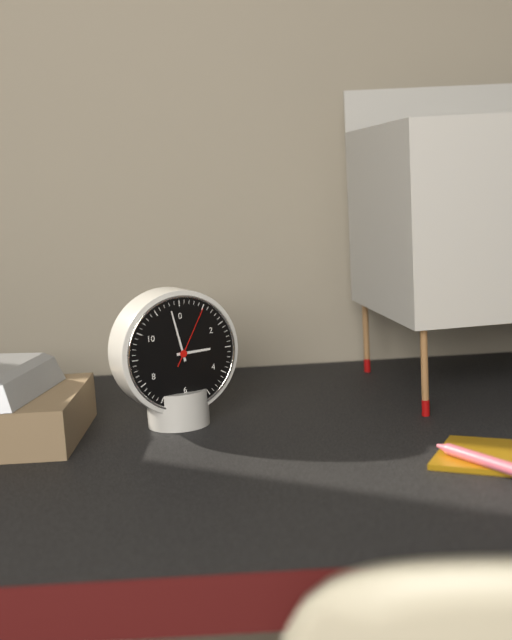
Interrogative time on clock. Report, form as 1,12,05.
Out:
2,58,05
